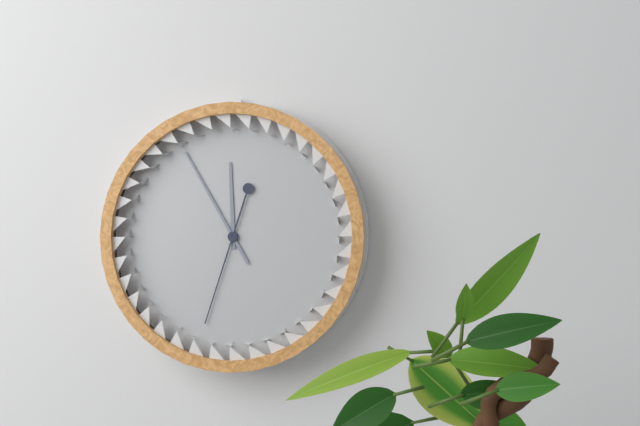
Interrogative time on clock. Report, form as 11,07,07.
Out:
11,55,33
